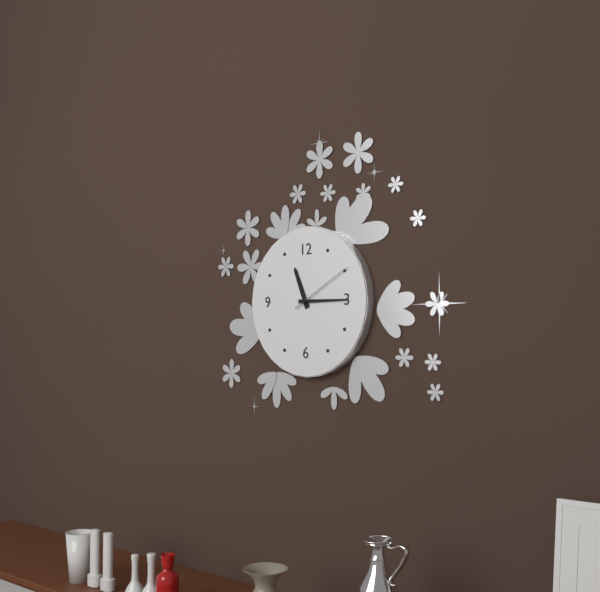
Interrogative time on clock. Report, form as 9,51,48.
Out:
11,15,10
